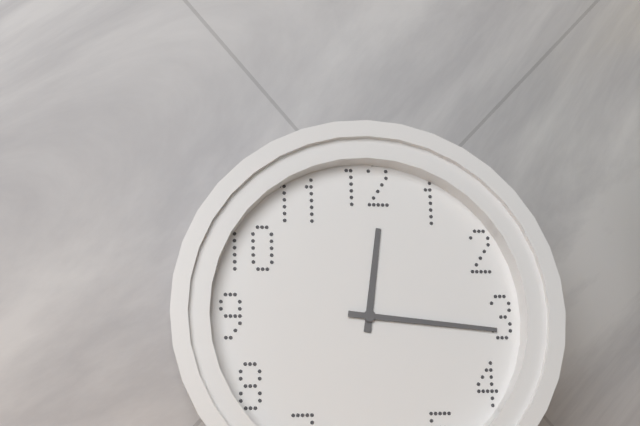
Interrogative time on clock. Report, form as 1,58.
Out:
12,16
